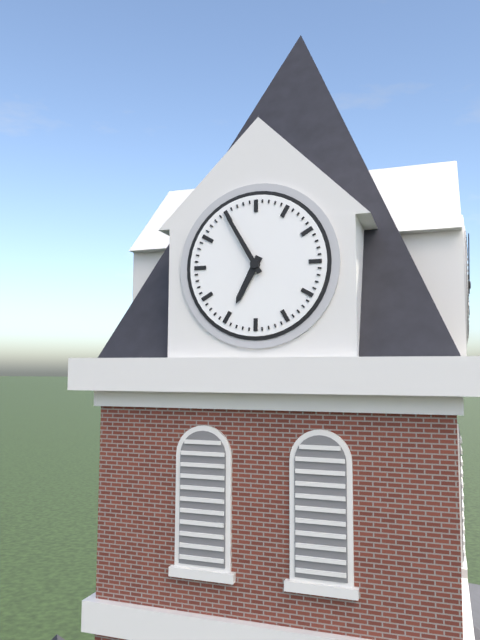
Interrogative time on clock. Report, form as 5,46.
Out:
6,55
